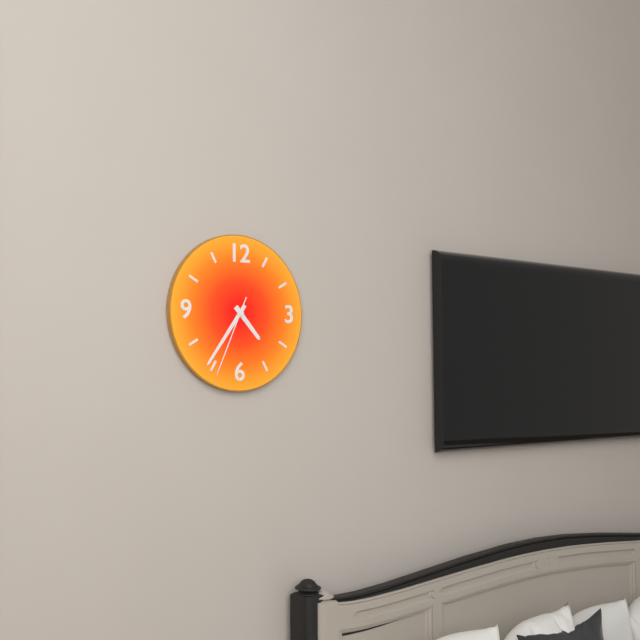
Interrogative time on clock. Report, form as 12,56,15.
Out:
4,36,34
